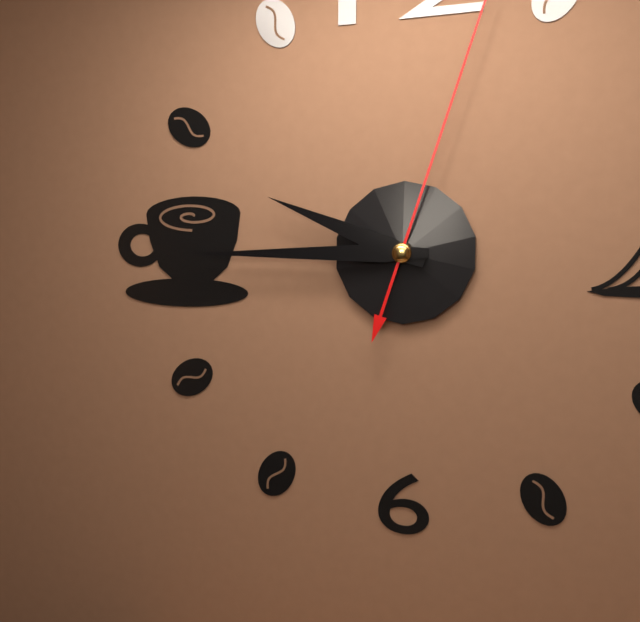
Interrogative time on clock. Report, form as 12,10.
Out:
9,45
